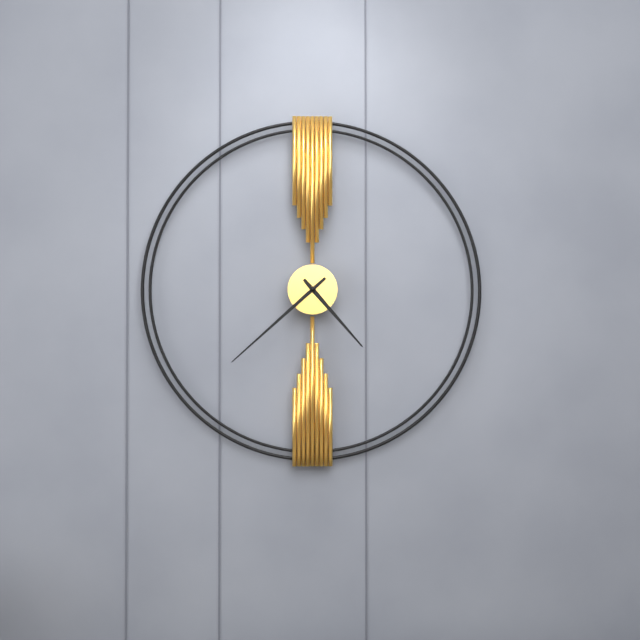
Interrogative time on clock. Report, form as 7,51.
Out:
4,38
